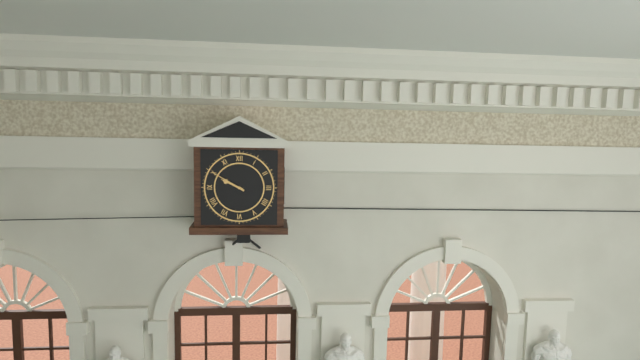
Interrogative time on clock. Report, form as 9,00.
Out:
9,50
